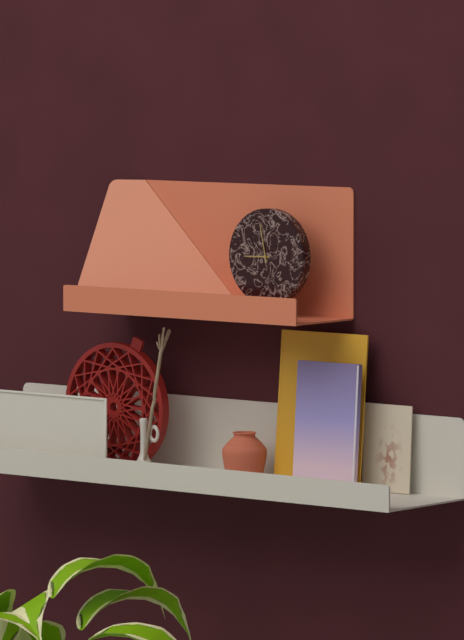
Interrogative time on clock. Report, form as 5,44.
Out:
8,58
